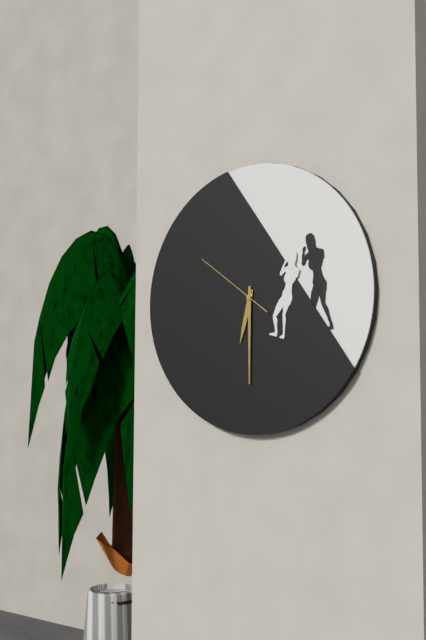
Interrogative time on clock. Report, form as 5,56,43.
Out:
6,30,51
